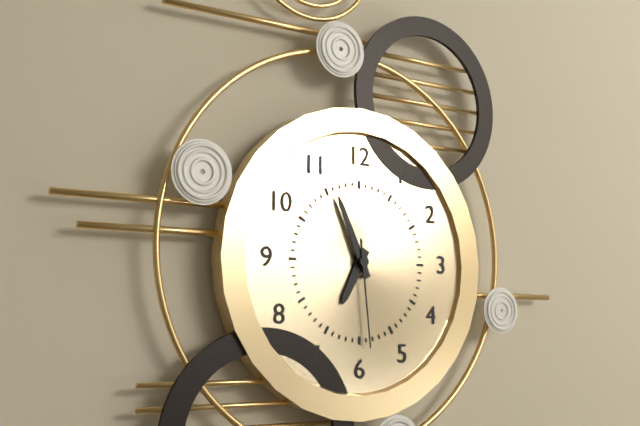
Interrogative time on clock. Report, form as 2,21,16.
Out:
6,56,29
